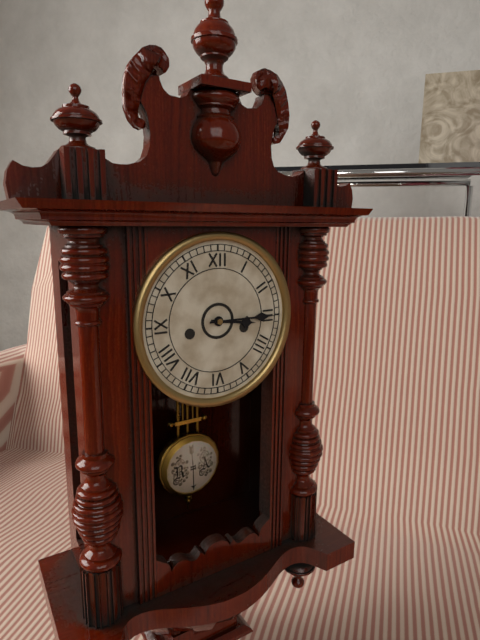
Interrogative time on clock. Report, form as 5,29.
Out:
3,15
